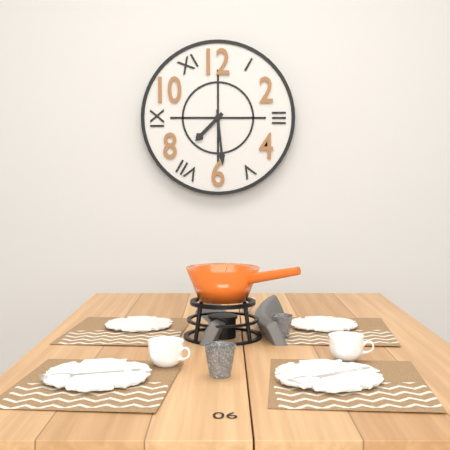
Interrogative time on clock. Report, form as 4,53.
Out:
7,29
